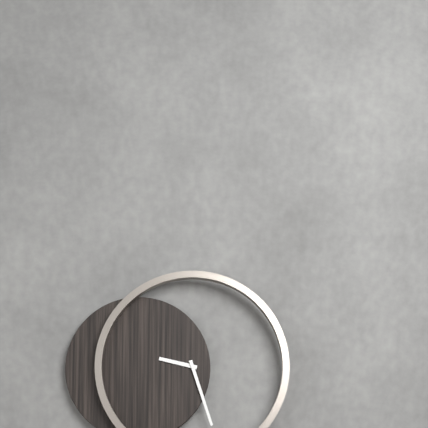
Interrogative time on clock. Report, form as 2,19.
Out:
9,27
